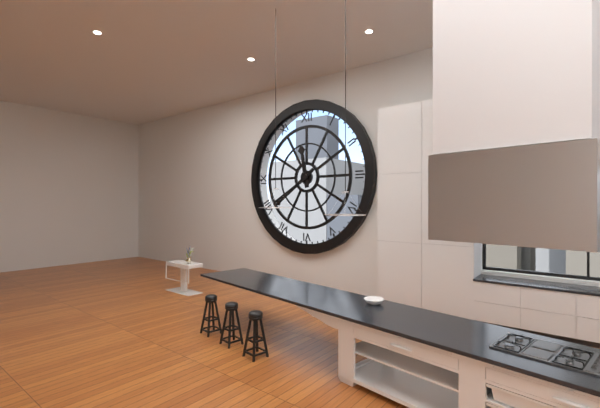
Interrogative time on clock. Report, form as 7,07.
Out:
11,39
